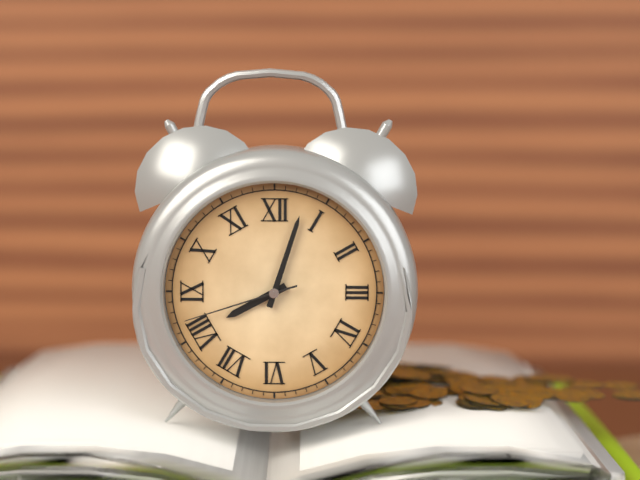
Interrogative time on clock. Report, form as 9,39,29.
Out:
8,03,42
